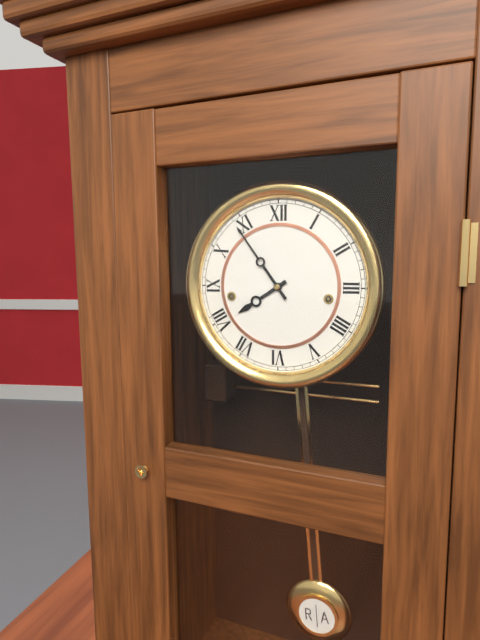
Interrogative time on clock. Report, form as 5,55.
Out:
7,54
